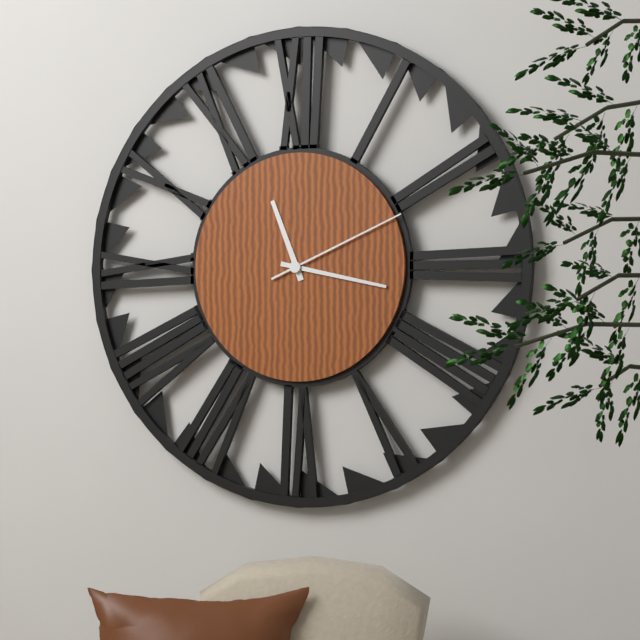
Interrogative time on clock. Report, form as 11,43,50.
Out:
11,17,11
